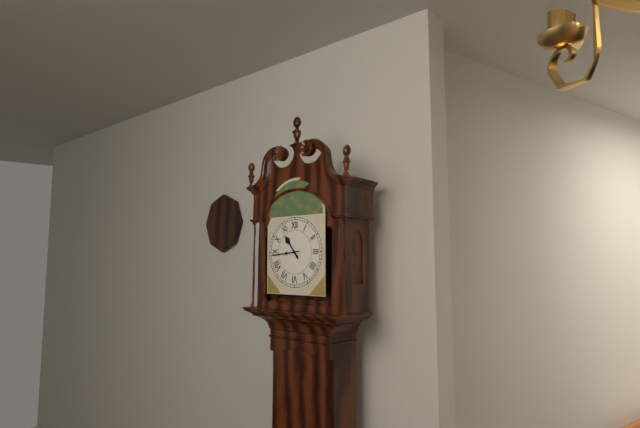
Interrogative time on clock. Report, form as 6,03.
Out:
10,44
